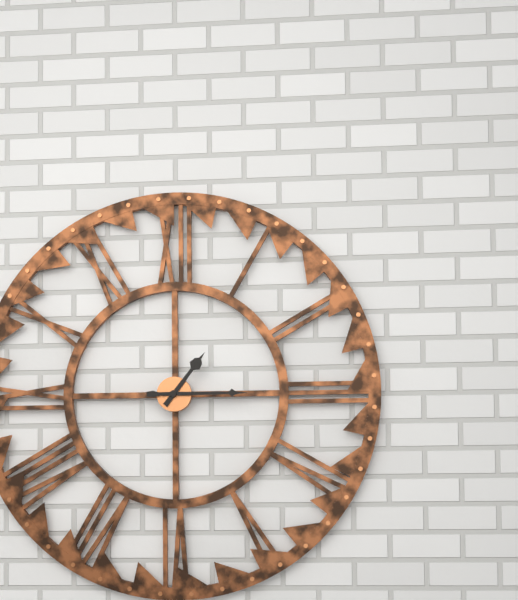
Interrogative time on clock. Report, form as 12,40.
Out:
1,15
